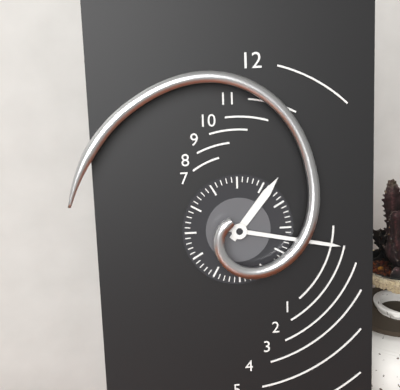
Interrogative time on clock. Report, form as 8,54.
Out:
1,17
